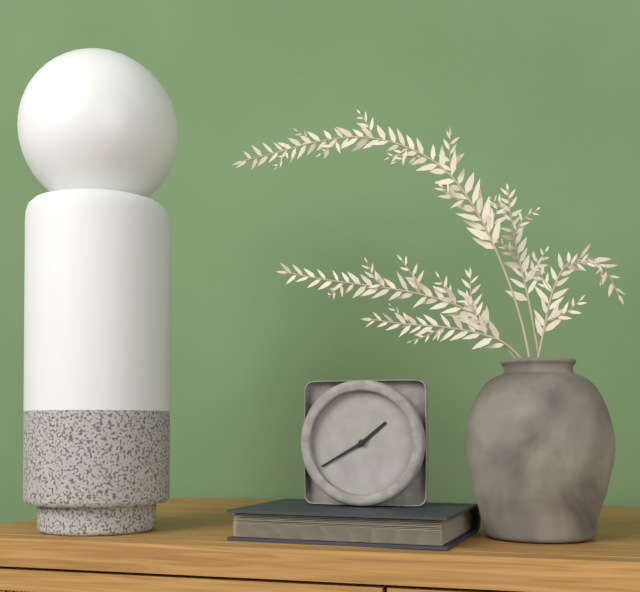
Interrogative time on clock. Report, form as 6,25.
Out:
1,40
